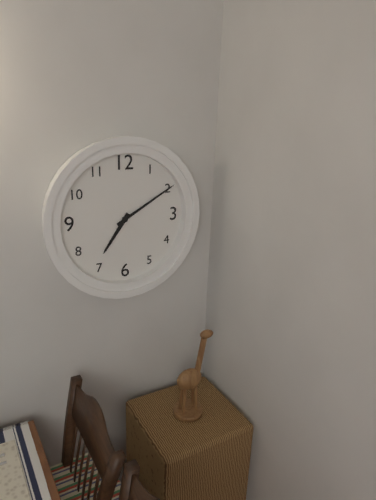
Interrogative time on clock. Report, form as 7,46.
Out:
7,10
